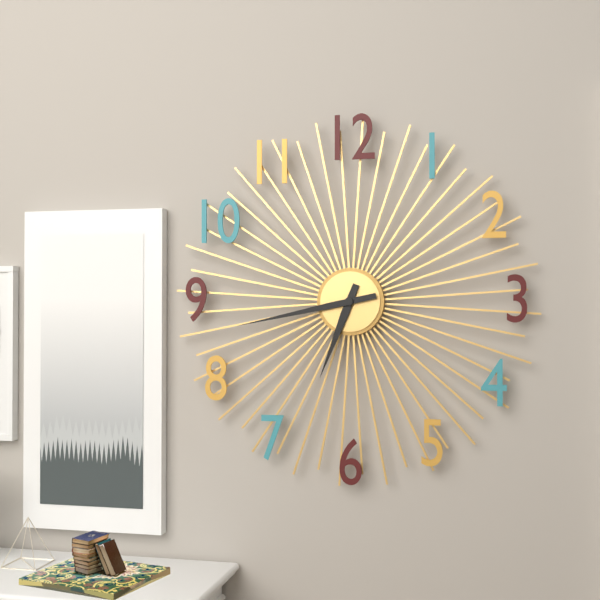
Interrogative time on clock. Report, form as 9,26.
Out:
6,43
